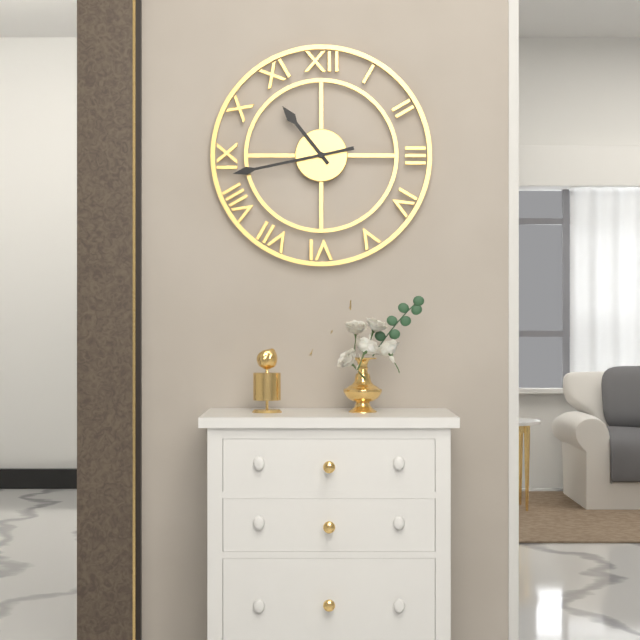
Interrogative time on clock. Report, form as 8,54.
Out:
10,43
